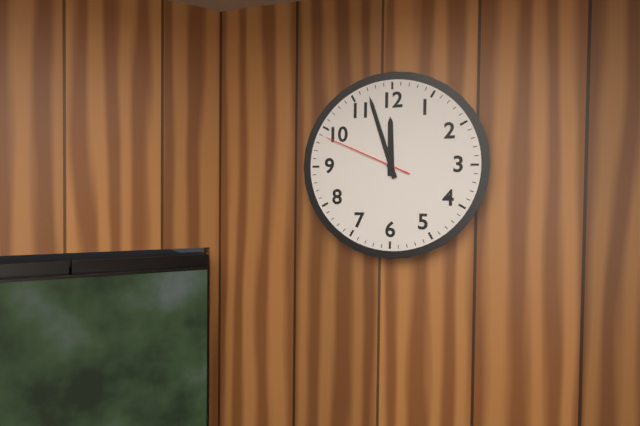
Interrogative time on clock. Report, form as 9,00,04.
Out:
11,57,49
